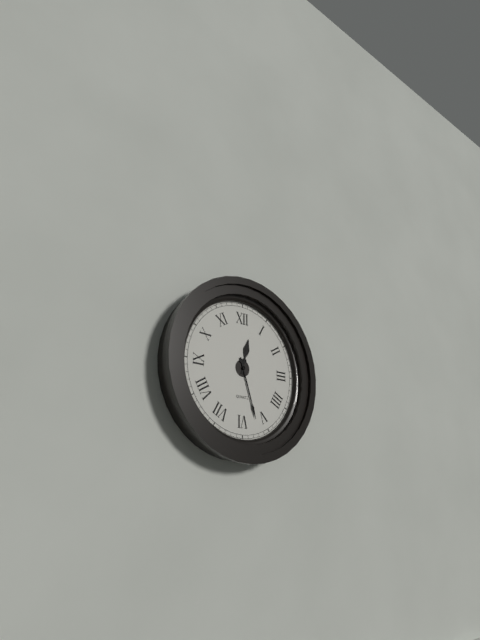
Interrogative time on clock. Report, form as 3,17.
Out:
12,27
